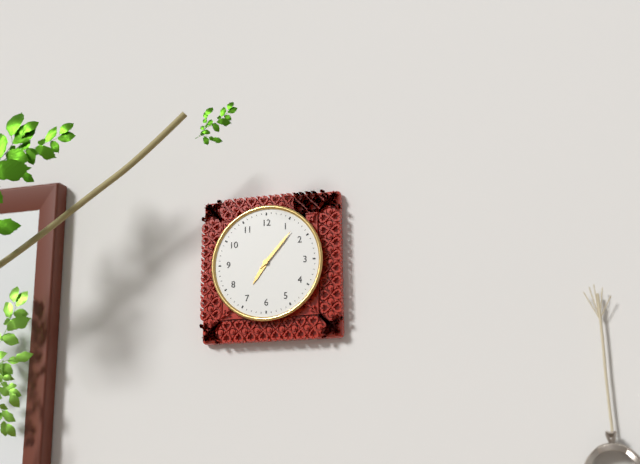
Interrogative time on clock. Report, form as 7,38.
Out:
7,07
